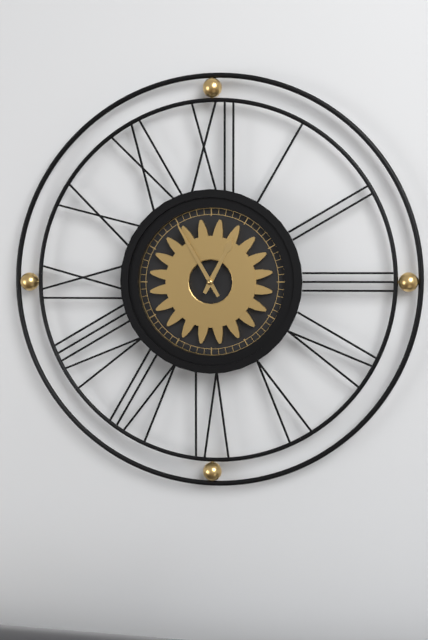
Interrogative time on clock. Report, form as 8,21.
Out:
12,55
